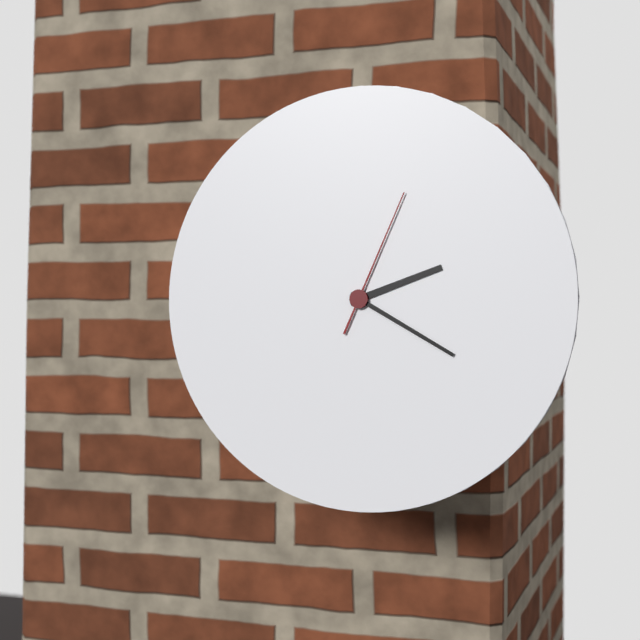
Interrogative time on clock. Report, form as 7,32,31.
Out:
2,20,04
